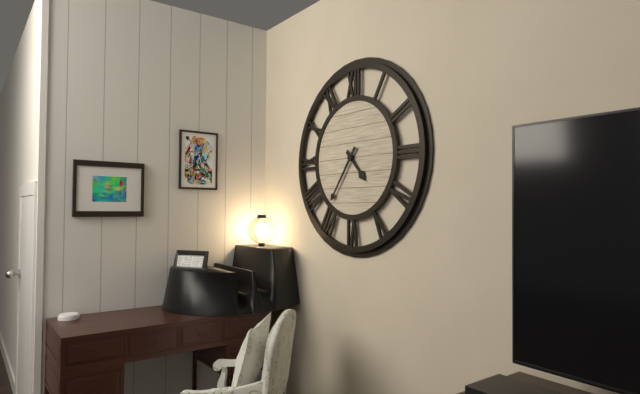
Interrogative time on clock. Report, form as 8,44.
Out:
4,36
